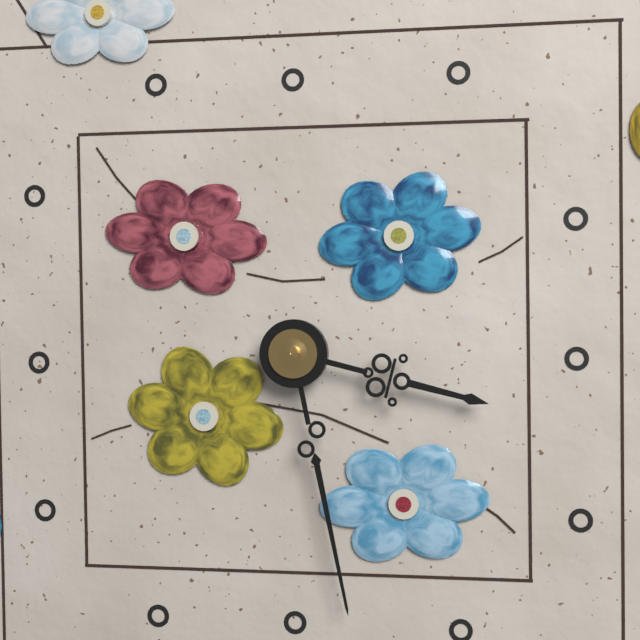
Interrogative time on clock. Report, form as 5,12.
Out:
3,28
